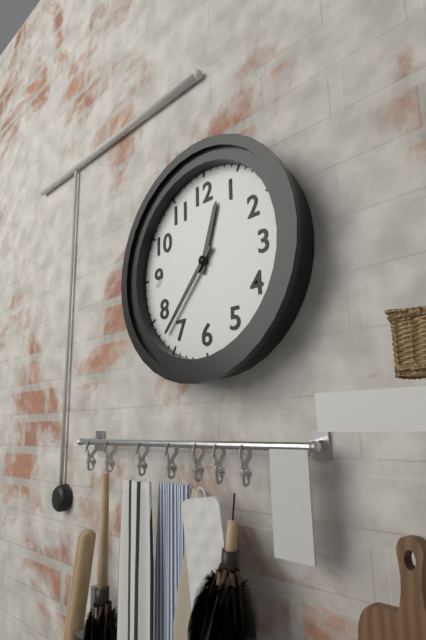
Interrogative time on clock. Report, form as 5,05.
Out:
12,37
